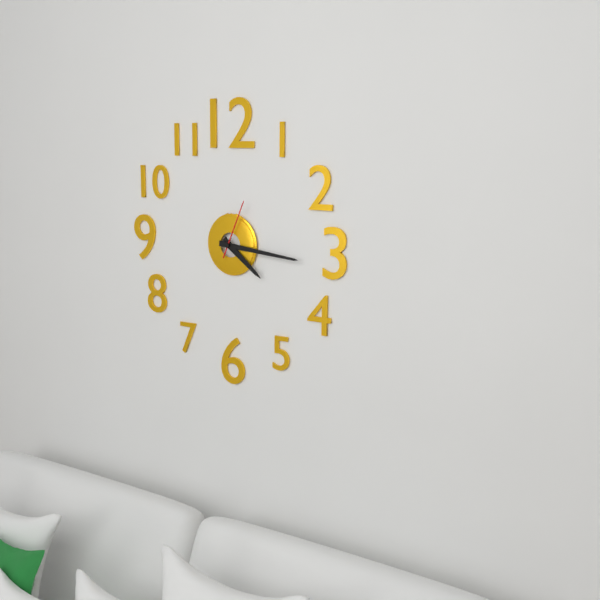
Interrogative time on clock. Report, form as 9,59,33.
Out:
4,16,04
